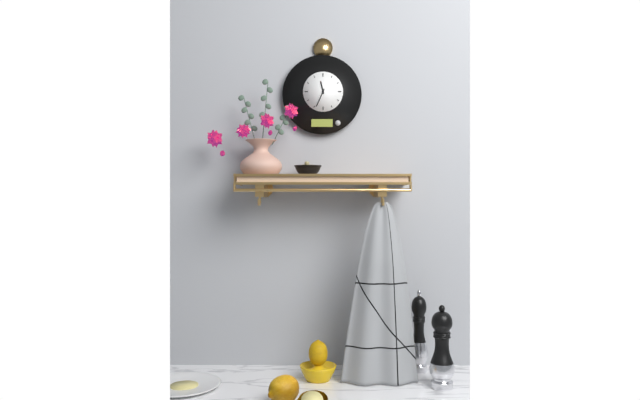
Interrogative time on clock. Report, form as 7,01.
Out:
11,34
